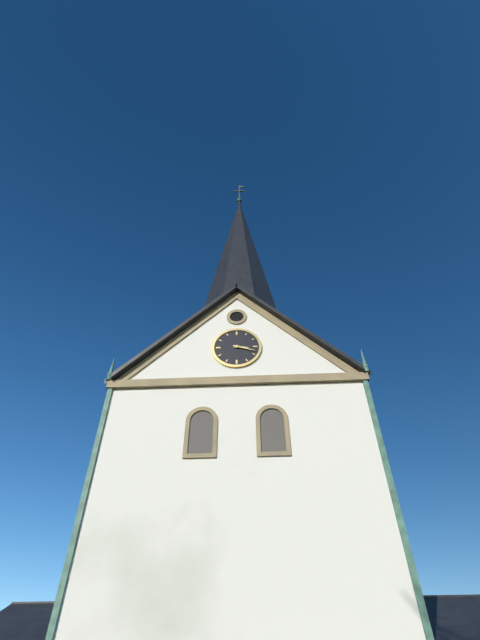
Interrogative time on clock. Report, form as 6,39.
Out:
3,18
